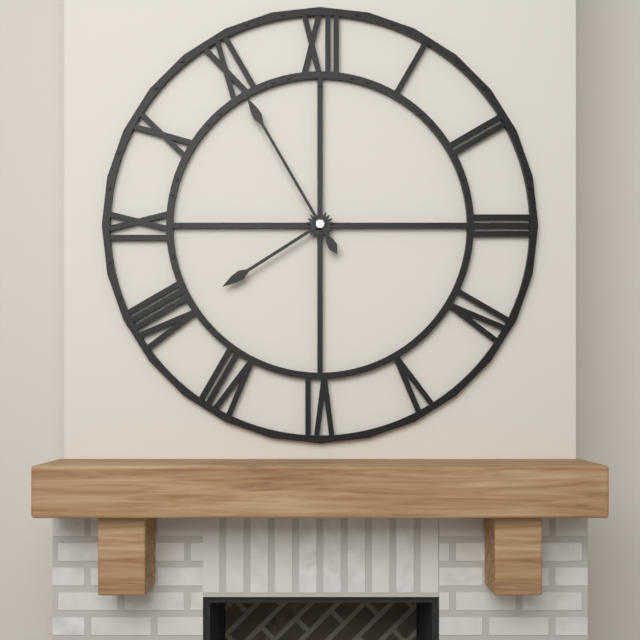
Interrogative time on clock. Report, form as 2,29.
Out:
7,55
